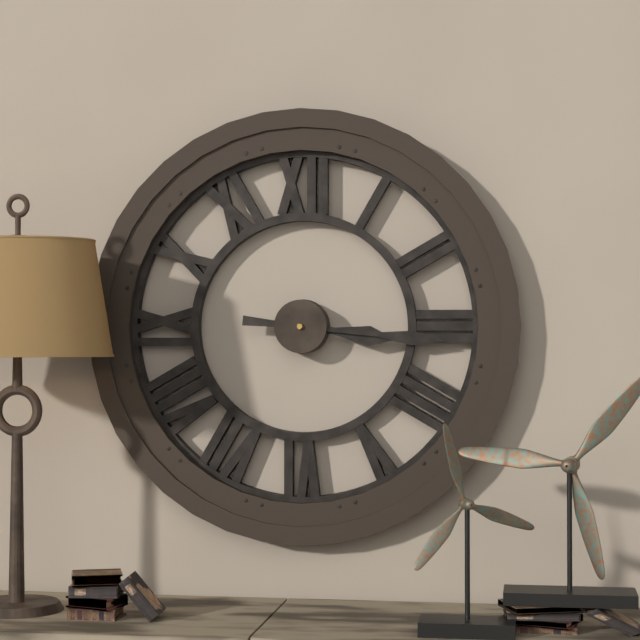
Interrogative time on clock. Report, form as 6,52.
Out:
3,16
